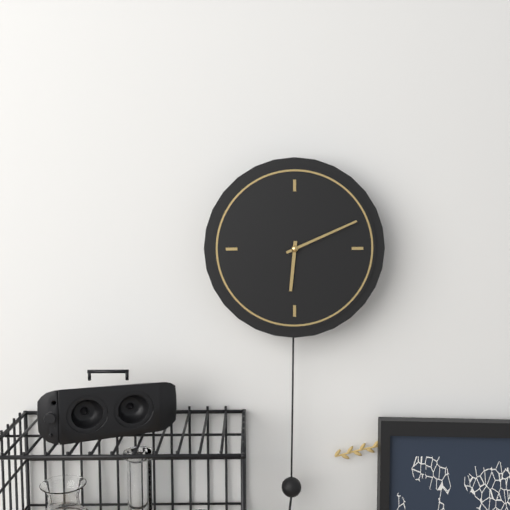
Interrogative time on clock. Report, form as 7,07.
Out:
6,11
